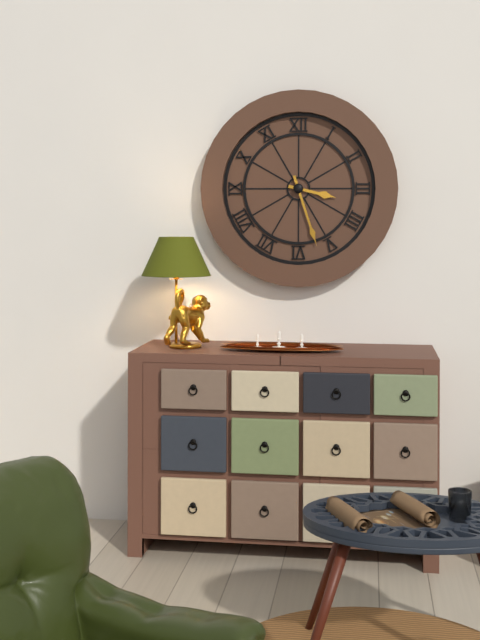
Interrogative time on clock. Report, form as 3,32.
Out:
3,27
